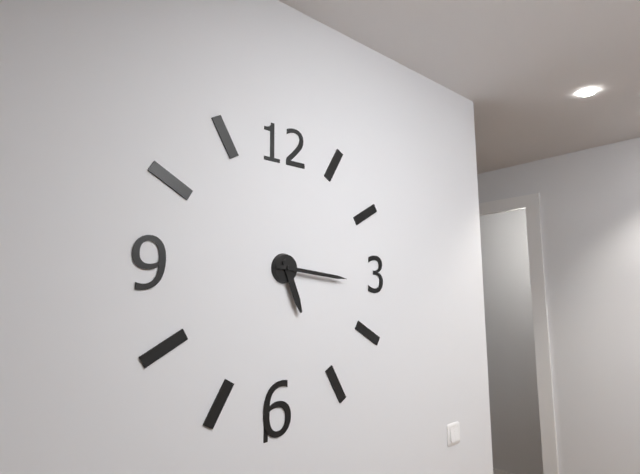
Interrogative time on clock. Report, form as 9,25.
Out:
5,16
